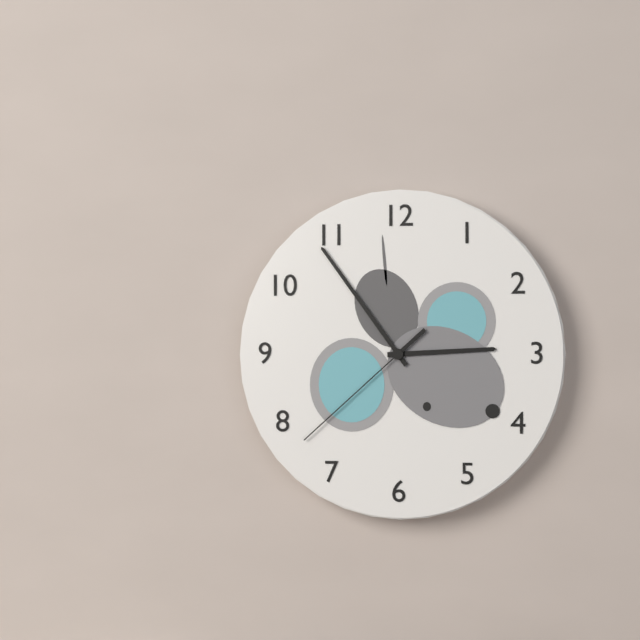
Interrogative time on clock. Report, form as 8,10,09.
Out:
2,54,38
